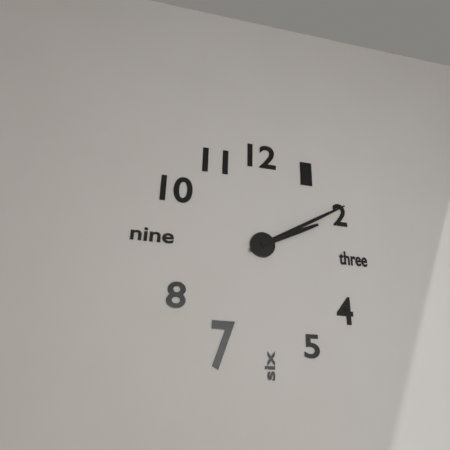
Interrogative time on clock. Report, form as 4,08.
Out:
2,10
